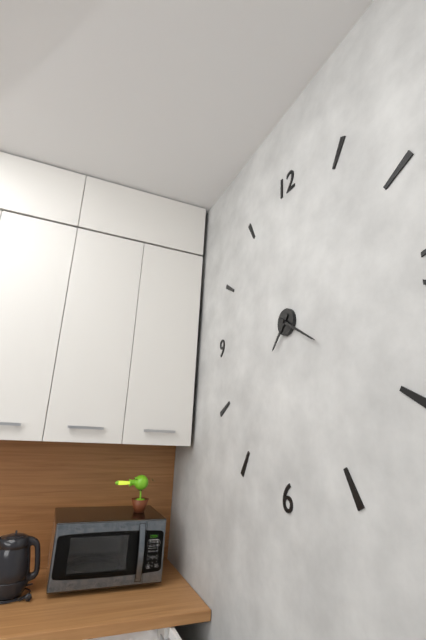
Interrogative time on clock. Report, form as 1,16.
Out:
7,20
